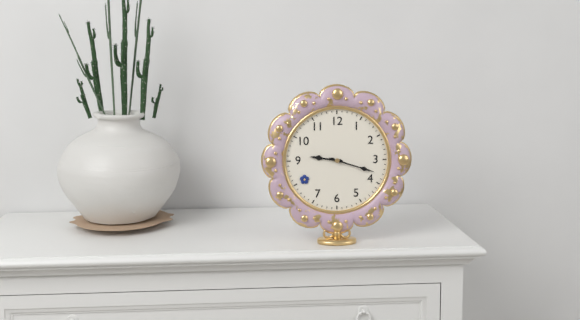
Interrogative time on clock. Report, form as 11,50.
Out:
9,18
